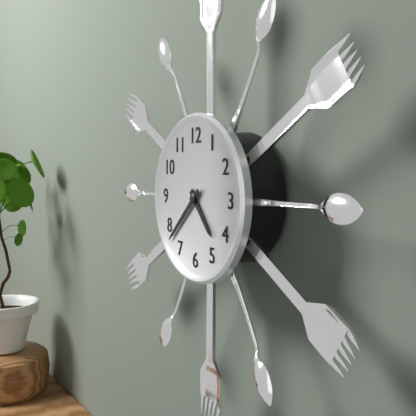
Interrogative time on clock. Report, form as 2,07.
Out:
4,38
